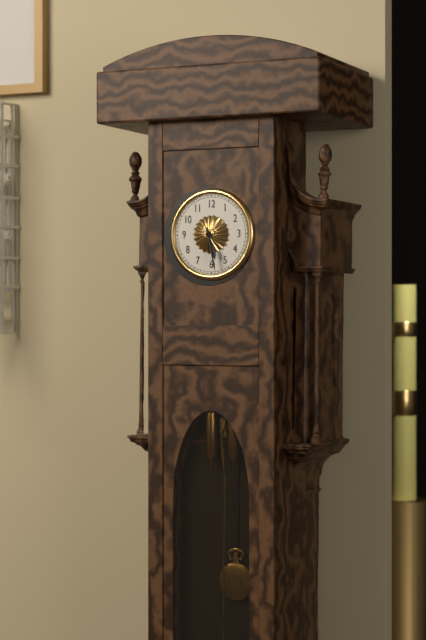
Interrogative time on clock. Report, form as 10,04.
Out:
5,28
